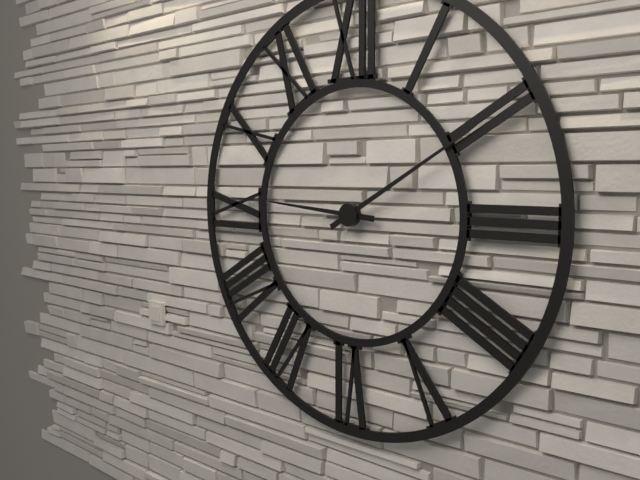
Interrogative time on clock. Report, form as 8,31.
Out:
9,10
